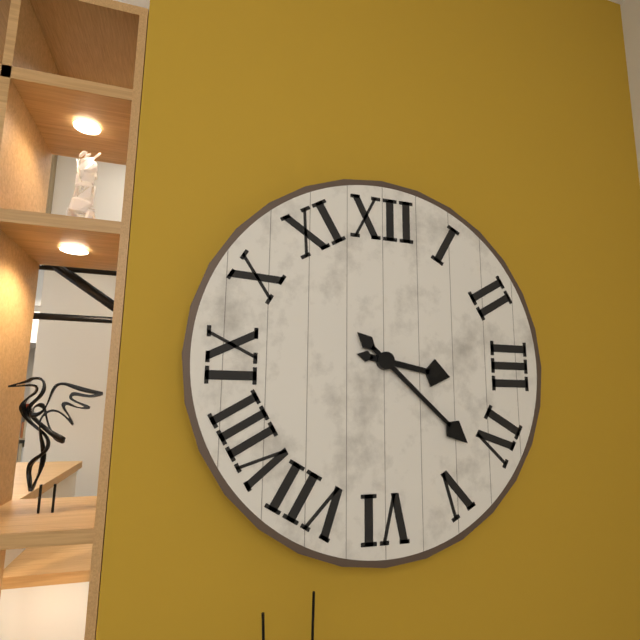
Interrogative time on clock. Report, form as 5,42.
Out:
3,22
